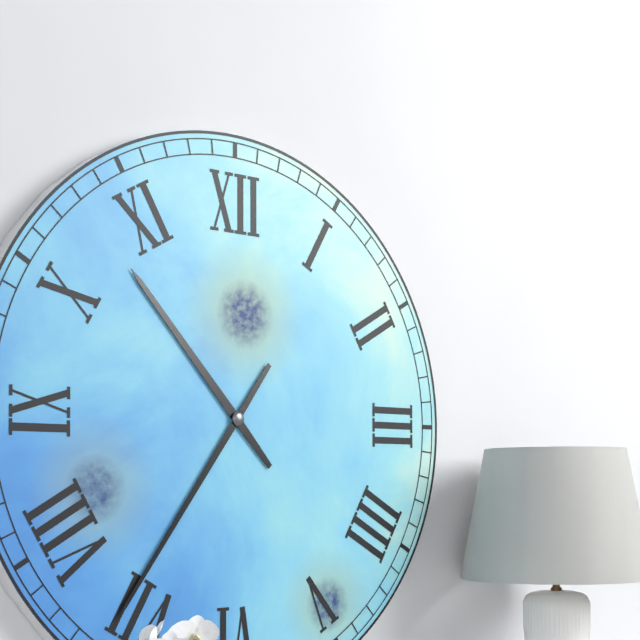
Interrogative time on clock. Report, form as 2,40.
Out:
10,36
